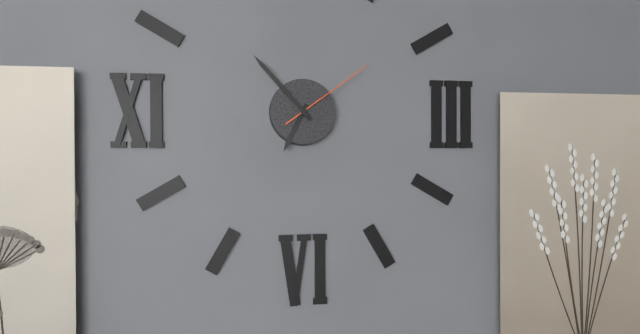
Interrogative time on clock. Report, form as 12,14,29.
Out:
6,53,09
